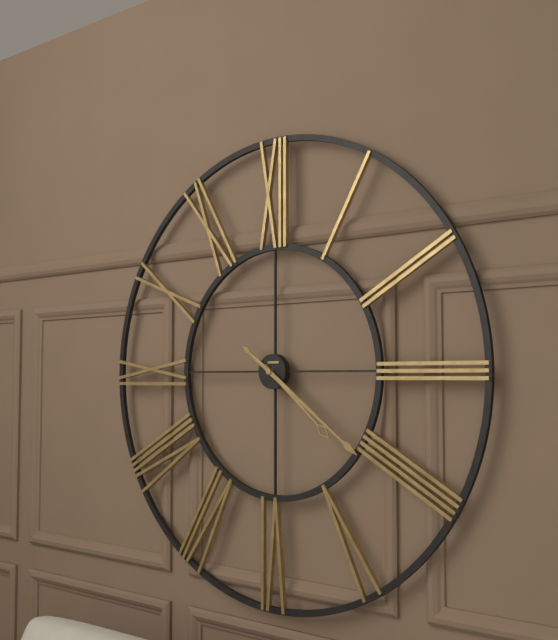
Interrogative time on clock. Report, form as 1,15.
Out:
4,21
